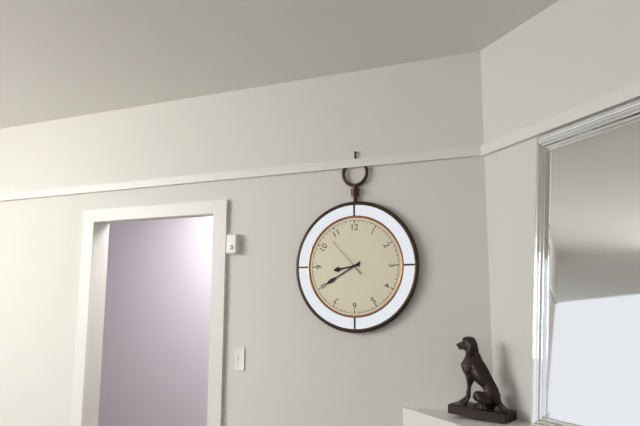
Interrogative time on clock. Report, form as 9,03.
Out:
8,40
